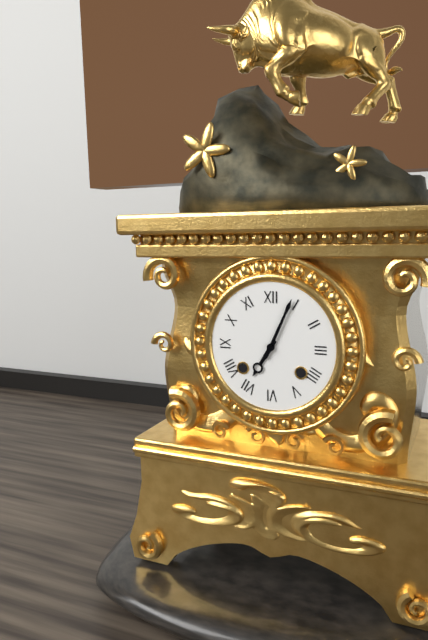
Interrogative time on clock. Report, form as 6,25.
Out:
7,04
